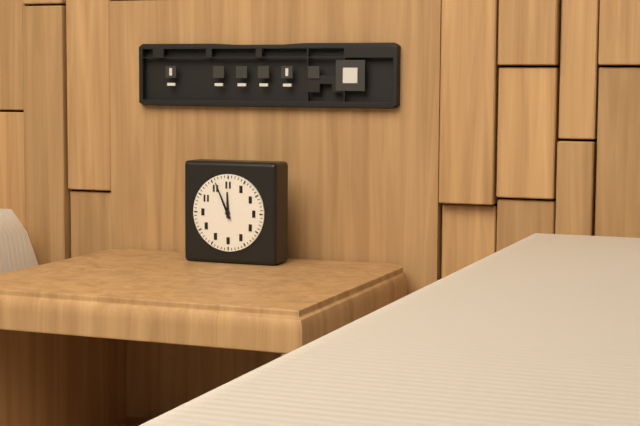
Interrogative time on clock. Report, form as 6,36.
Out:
11,56
